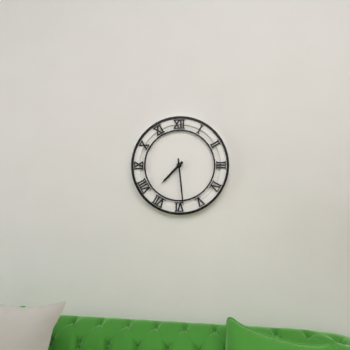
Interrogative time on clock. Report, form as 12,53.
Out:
7,29
